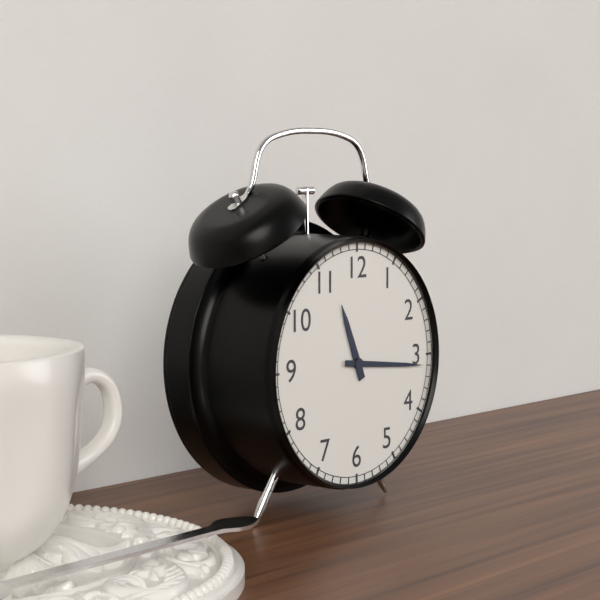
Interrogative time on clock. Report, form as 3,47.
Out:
11,16
